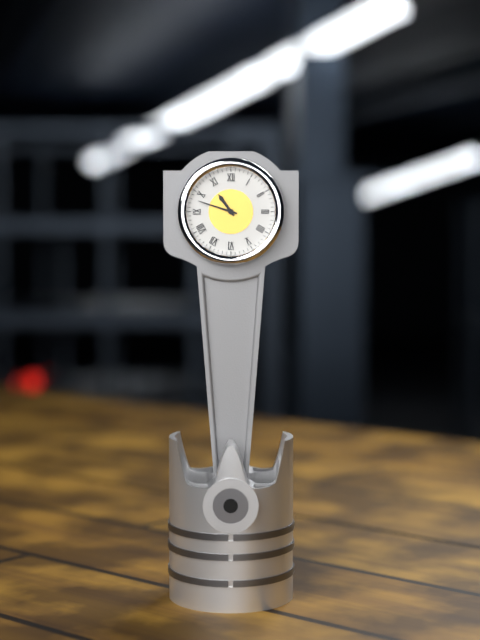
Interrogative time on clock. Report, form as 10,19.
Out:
10,48
